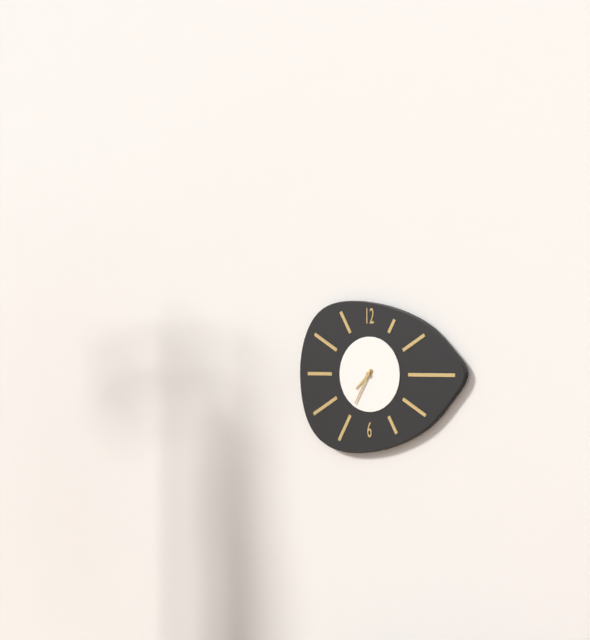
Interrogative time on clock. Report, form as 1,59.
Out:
7,35
